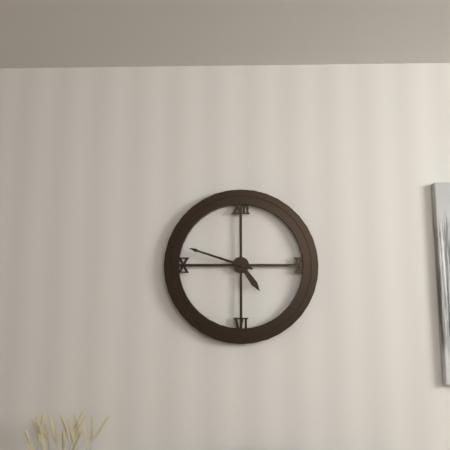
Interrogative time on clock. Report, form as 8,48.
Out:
4,48
